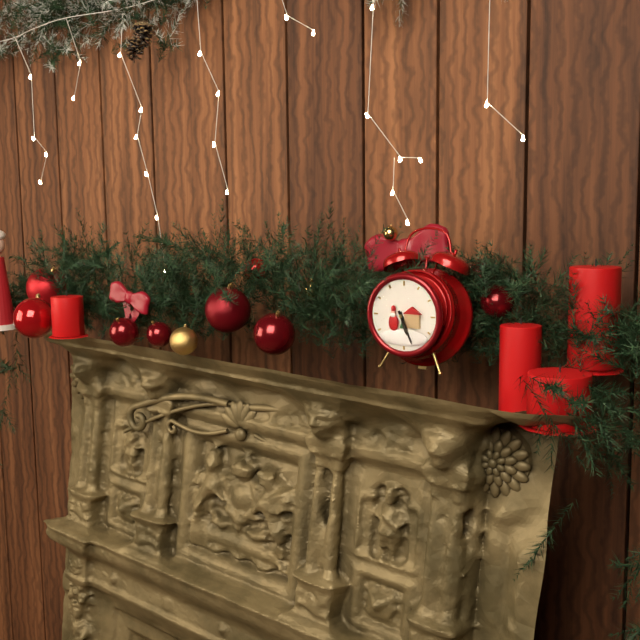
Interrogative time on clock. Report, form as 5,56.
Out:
5,26
